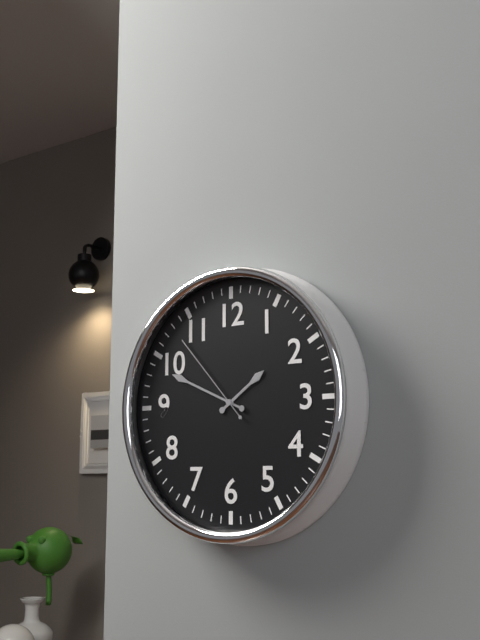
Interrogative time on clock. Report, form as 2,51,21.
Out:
1,49,53
